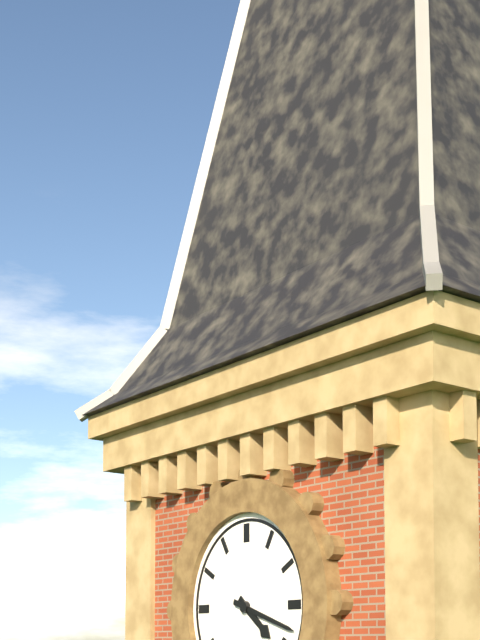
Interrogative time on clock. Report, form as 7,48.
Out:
4,18
